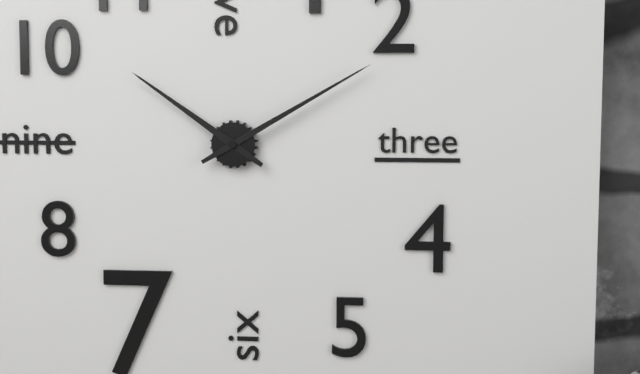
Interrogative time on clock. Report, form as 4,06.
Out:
10,10
